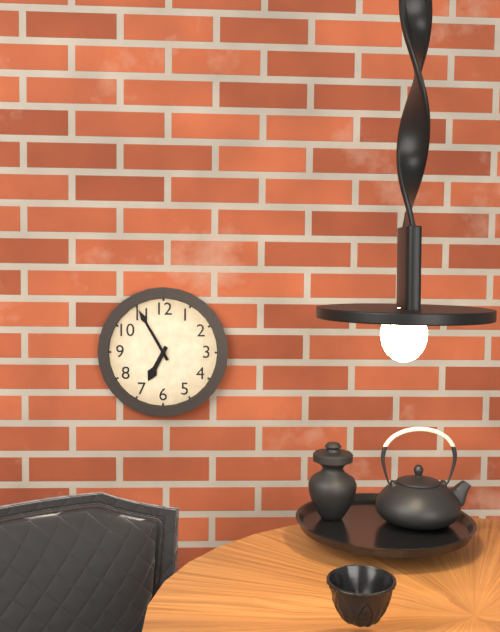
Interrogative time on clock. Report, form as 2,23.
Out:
6,55
